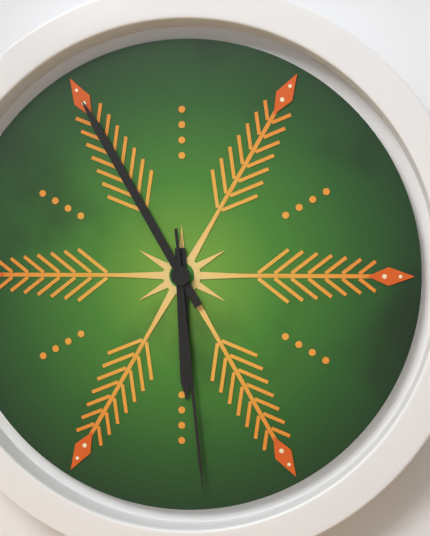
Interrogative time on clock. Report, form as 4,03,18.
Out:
5,55,29
